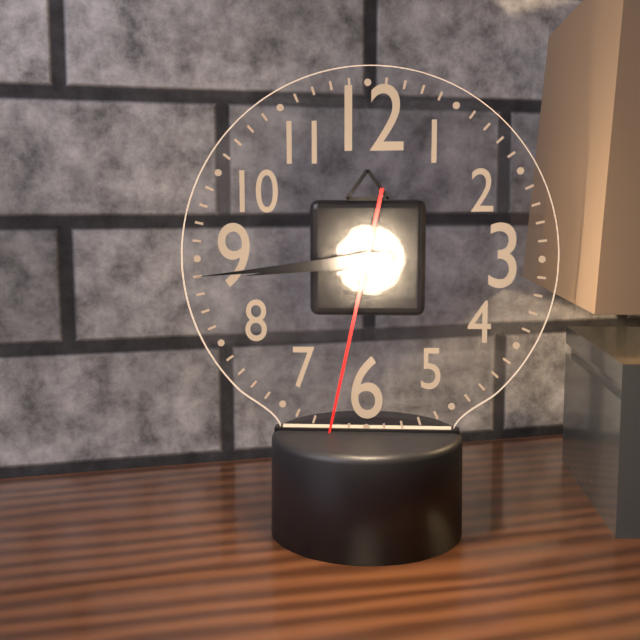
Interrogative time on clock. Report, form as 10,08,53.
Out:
8,44,32
